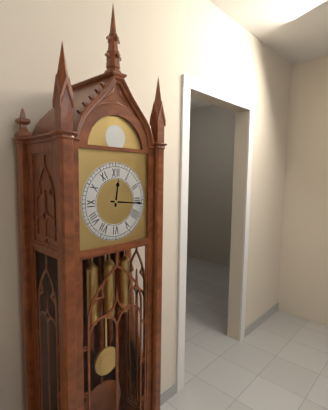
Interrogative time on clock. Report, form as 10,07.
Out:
12,16
